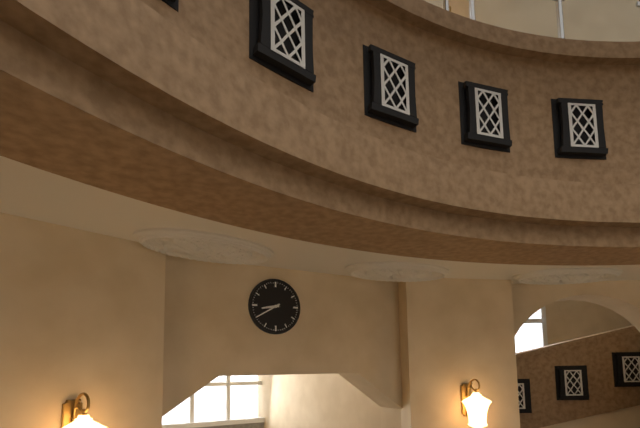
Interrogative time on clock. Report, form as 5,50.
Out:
8,40
